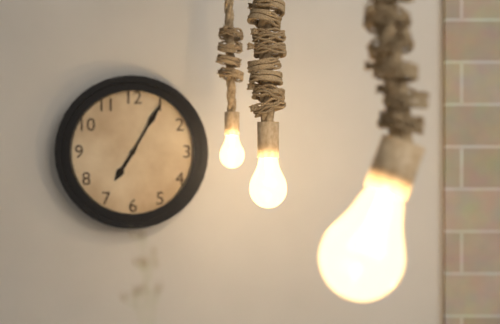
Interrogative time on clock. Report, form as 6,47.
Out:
7,05
